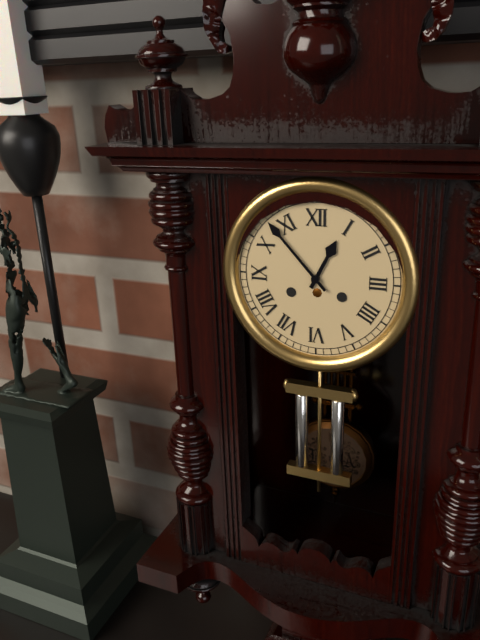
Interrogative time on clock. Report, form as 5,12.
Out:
12,53
